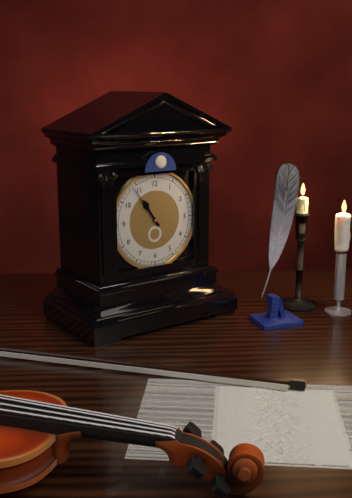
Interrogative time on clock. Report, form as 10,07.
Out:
10,54
